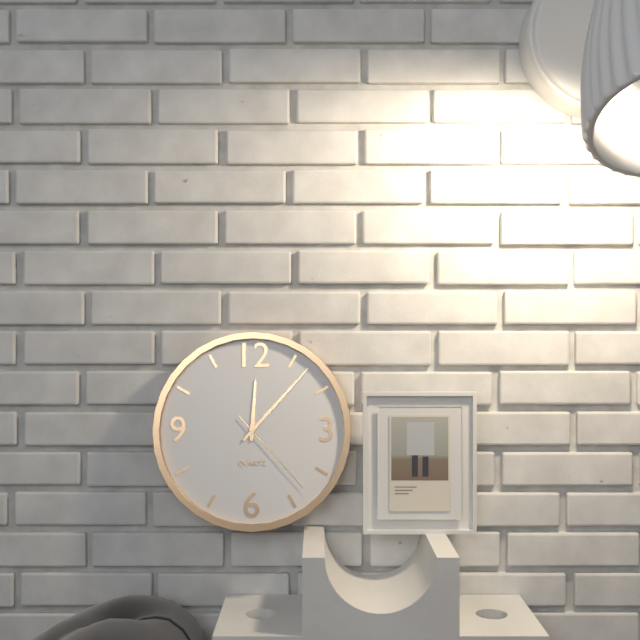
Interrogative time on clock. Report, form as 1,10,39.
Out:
12,07,23
